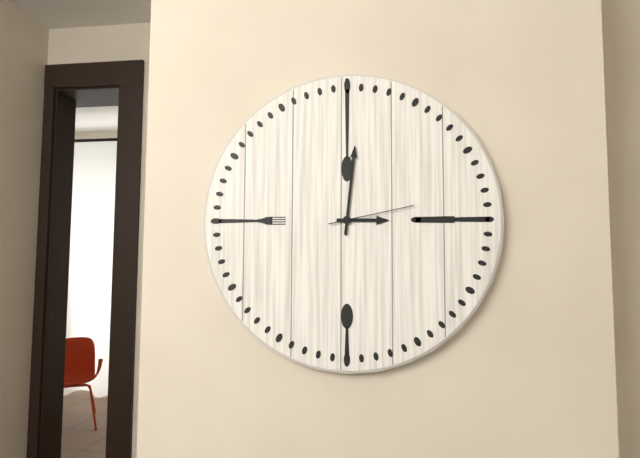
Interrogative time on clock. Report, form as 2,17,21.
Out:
3,01,13
